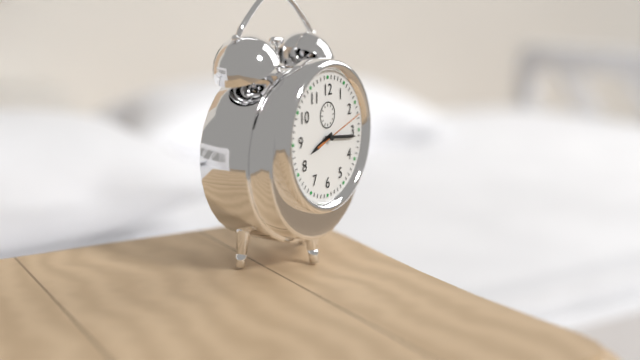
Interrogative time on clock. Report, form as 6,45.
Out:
8,16
